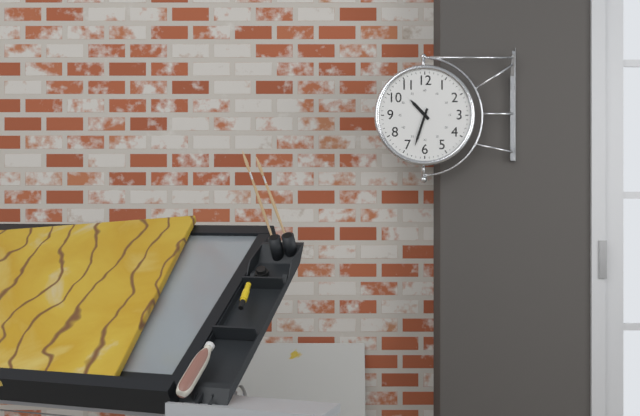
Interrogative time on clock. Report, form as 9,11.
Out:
10,33
